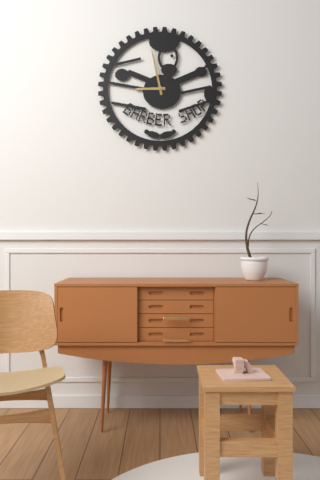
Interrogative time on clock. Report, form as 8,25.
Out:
8,58
